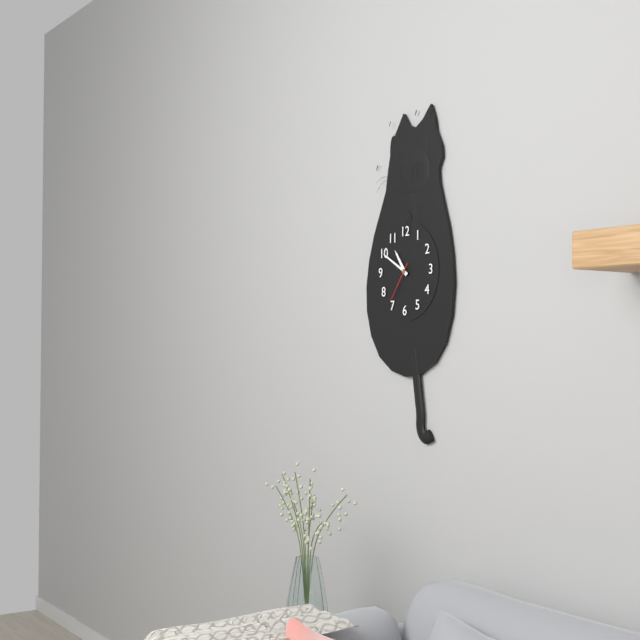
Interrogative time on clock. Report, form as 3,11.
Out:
10,50
